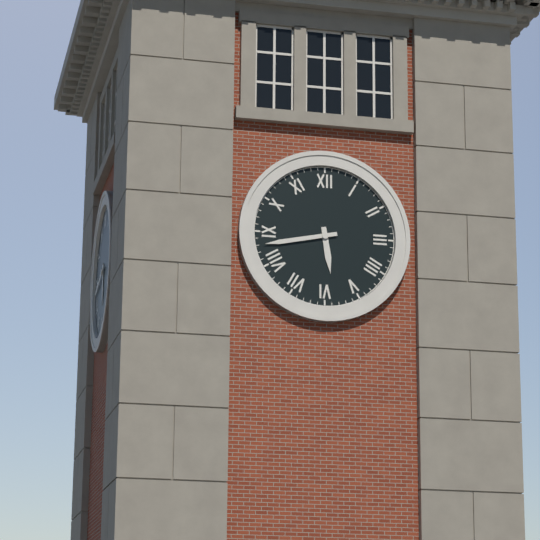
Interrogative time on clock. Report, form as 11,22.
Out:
5,43
